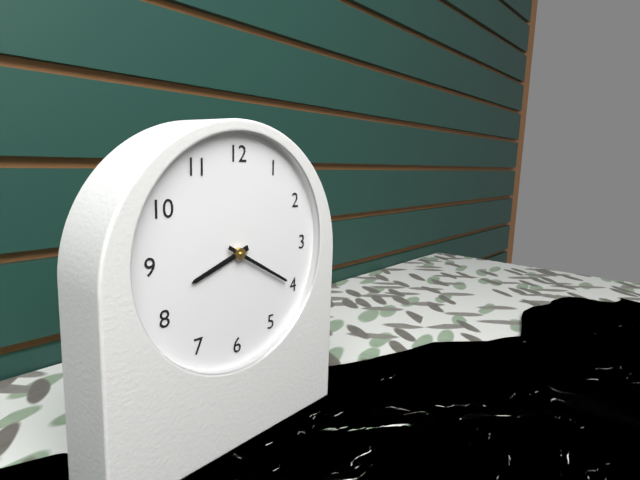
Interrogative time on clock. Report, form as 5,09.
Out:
8,20
